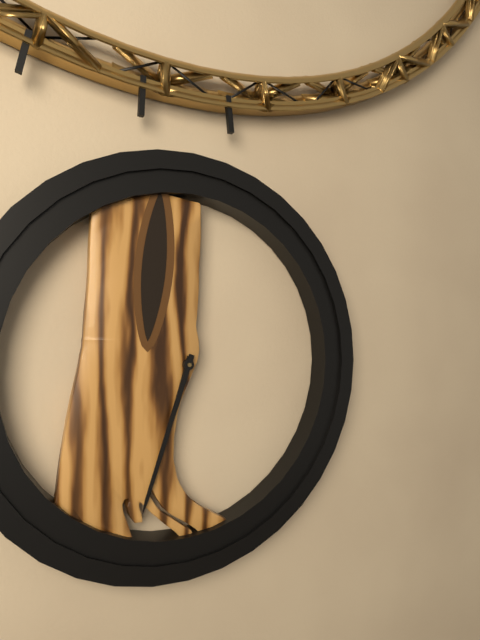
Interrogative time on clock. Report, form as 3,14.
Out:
6,33
